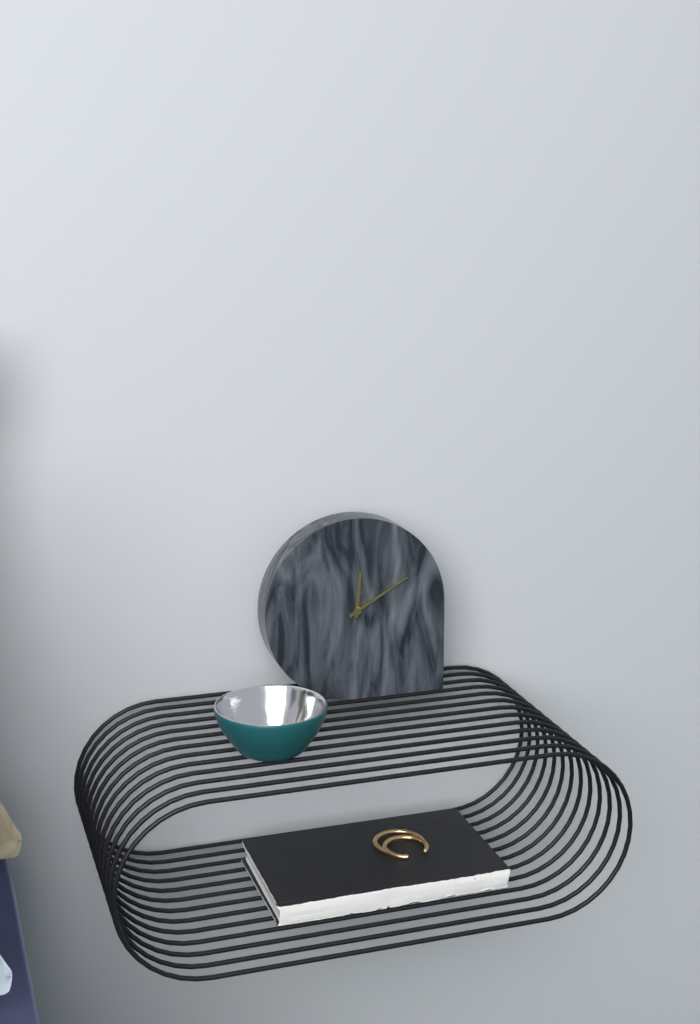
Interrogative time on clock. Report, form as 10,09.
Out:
12,10
